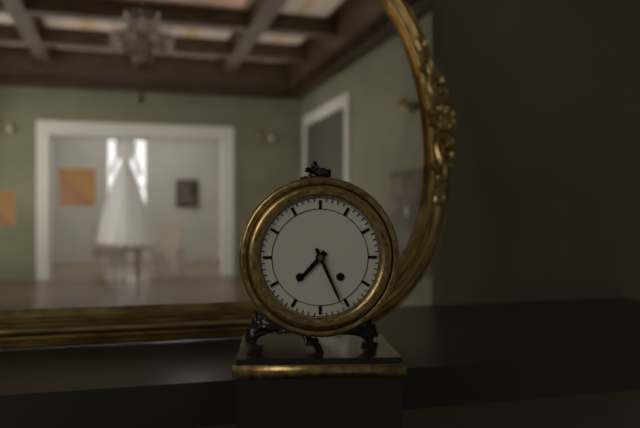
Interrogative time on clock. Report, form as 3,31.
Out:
7,26
